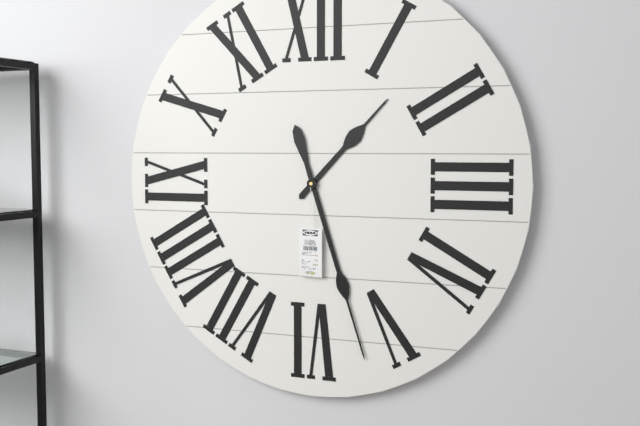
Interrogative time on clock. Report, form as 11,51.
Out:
1,27
